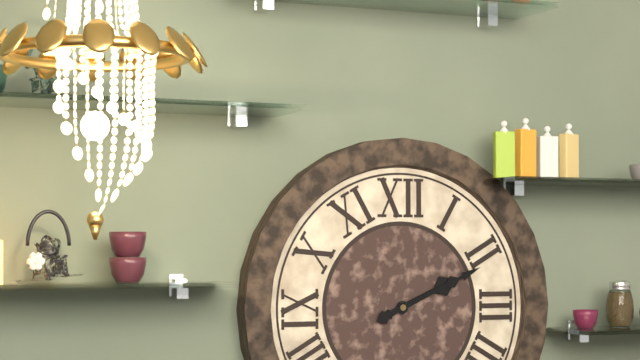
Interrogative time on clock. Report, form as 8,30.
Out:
2,11
